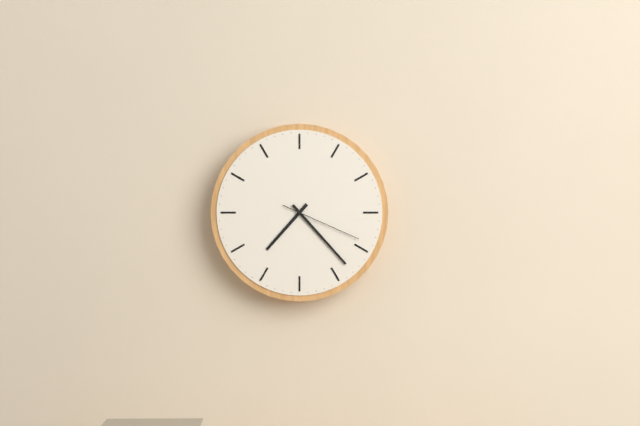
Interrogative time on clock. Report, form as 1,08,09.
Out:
7,23,19
